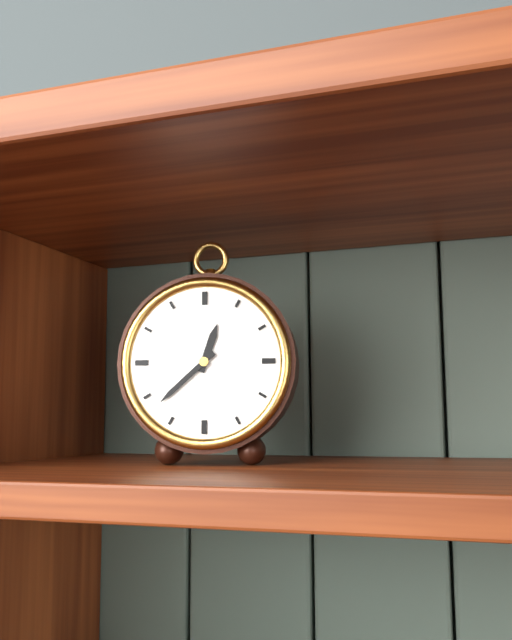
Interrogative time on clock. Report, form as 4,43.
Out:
12,38
